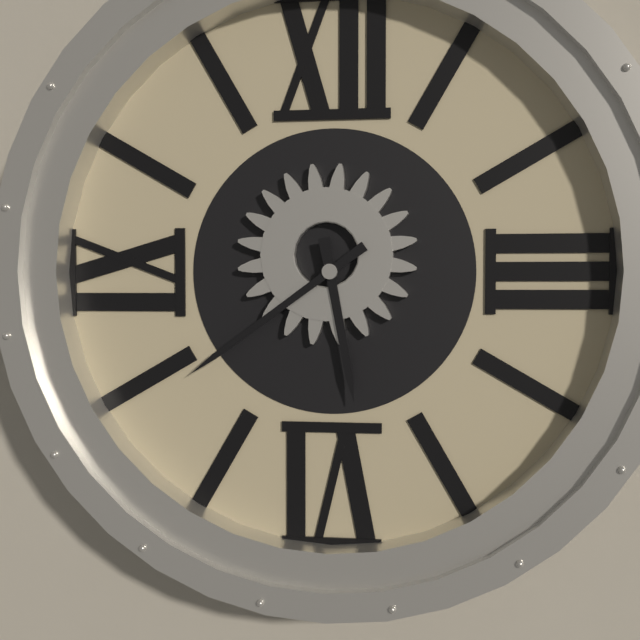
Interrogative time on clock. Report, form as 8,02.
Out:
5,39
